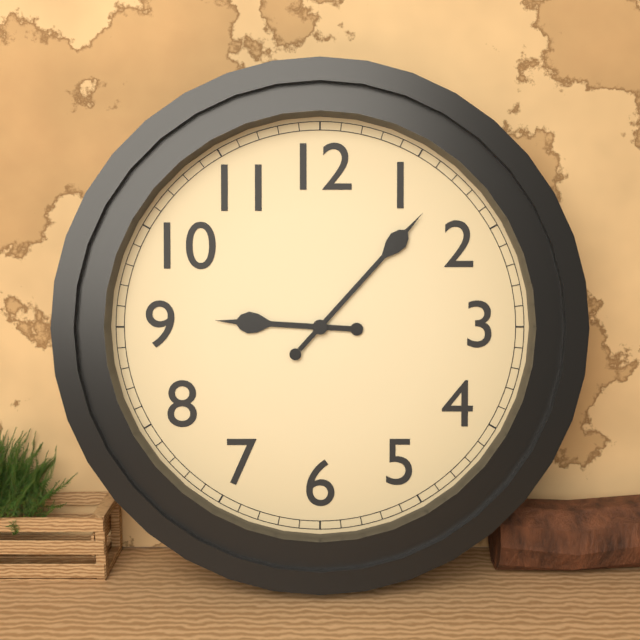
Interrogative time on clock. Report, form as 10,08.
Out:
9,07
